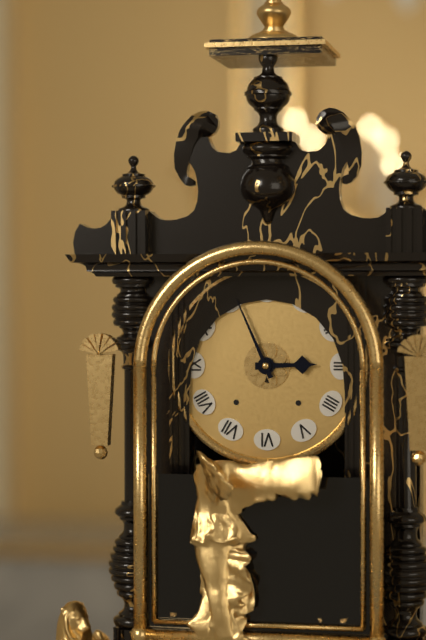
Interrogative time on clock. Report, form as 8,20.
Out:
2,56
